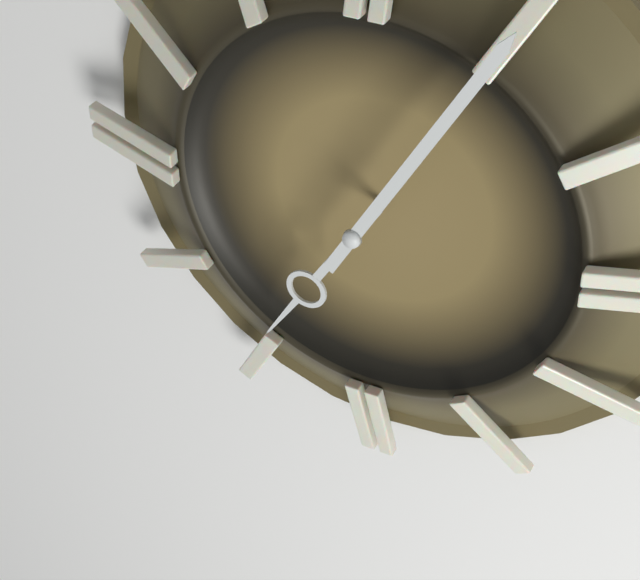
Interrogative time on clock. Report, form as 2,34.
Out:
7,05
